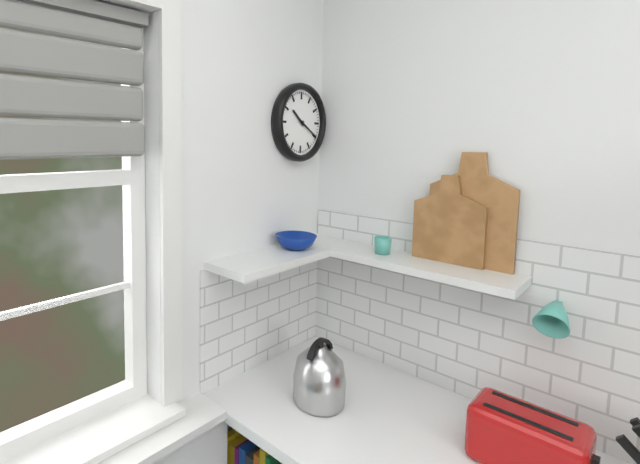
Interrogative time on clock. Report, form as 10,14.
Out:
10,20
